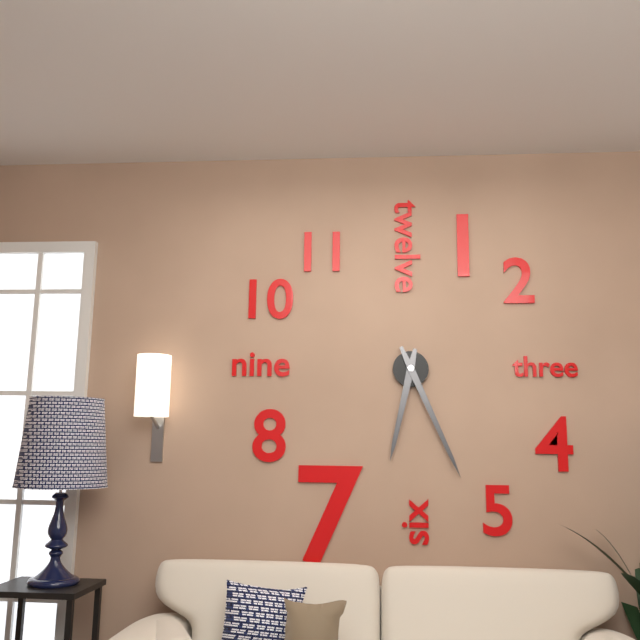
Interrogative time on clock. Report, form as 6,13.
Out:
6,26
